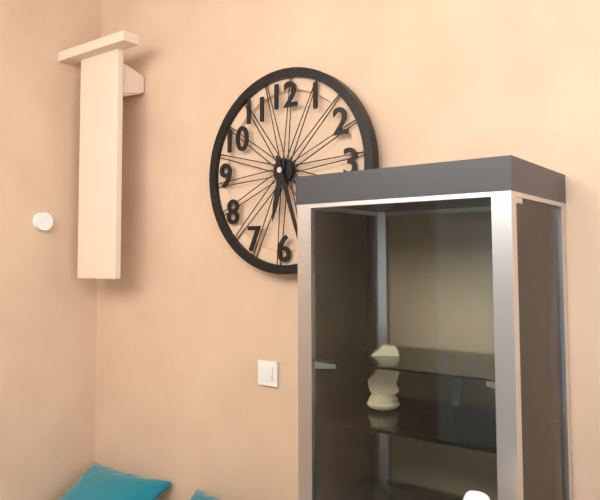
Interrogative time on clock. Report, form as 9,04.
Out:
6,27
